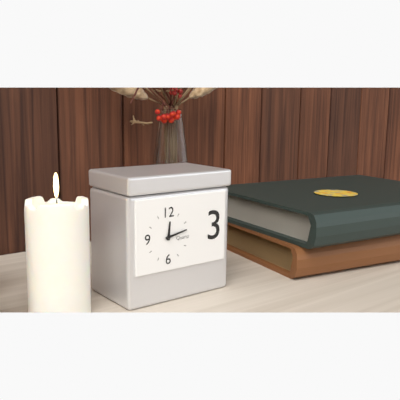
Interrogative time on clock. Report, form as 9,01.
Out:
12,13
